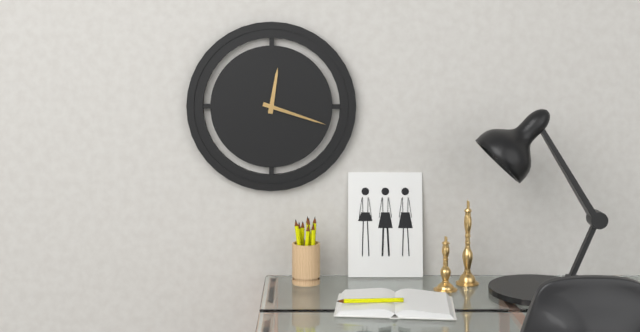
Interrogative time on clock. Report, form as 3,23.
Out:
12,18
